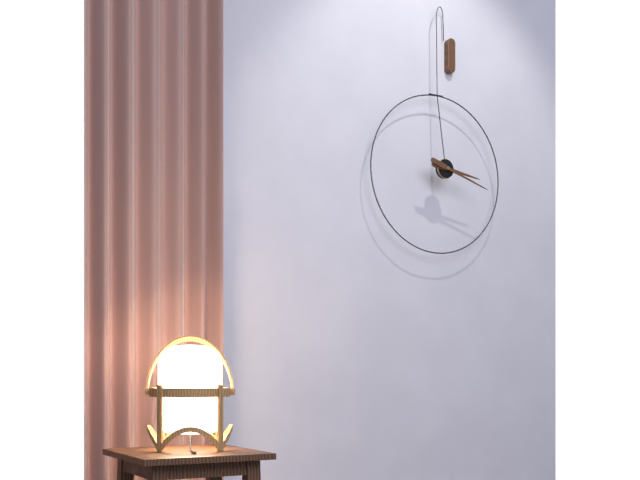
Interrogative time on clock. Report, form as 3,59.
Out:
3,18
